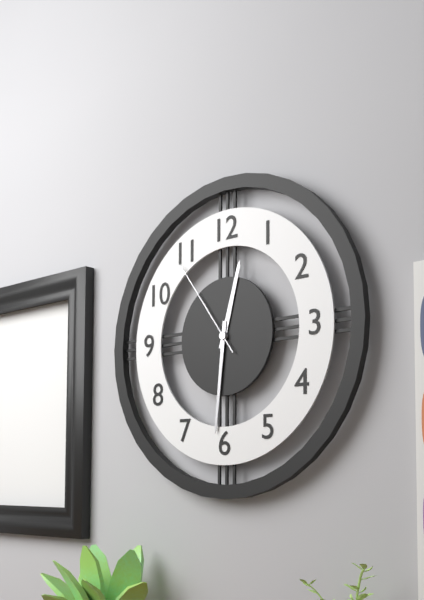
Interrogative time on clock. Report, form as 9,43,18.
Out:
12,31,54
